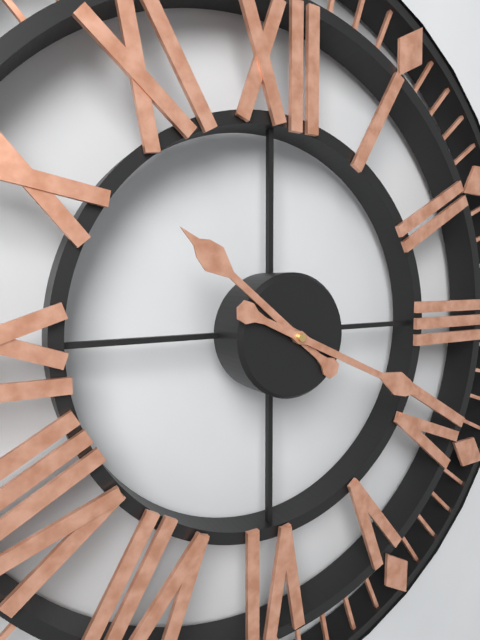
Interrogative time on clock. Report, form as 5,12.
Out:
10,19
